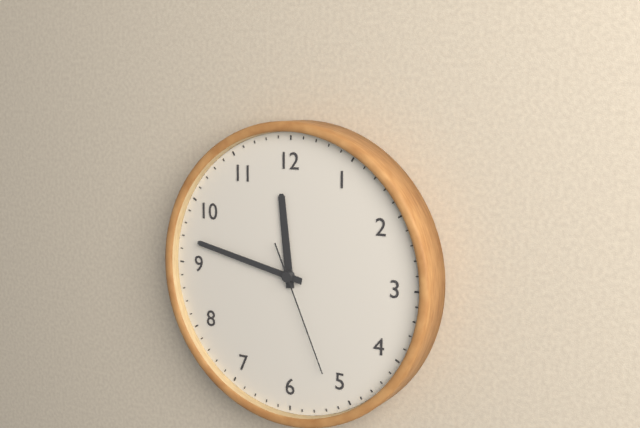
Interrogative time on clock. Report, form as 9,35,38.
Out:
11,47,26
